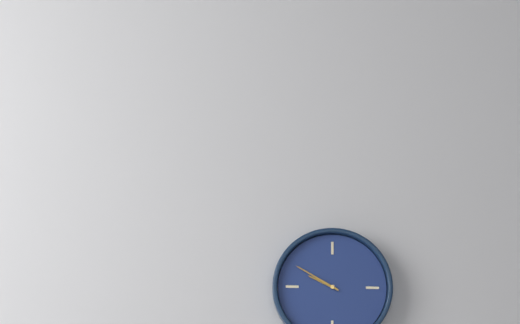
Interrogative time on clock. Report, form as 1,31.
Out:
9,50
